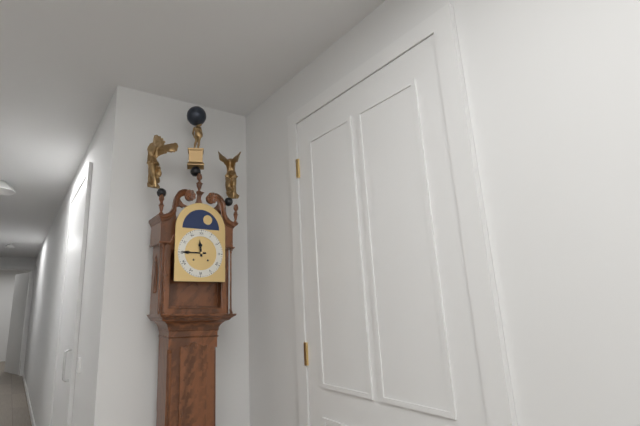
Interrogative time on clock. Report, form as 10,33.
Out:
11,45
